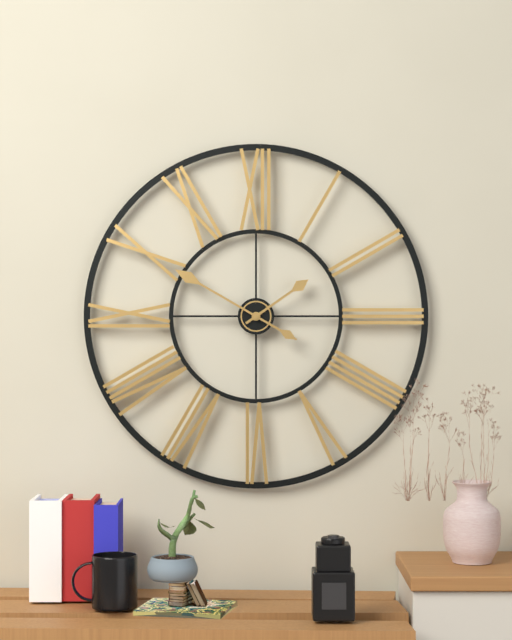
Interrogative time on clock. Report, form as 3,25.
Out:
1,50
